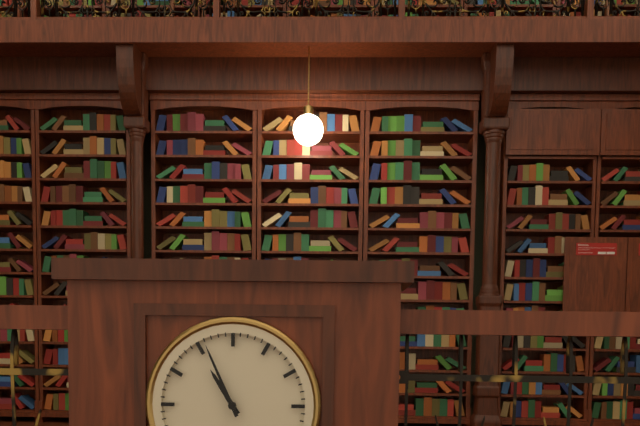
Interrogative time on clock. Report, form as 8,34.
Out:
10,56
